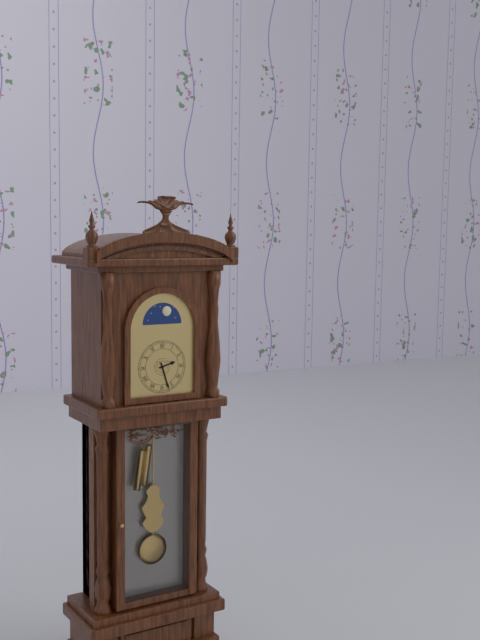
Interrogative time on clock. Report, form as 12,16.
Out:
2,27
